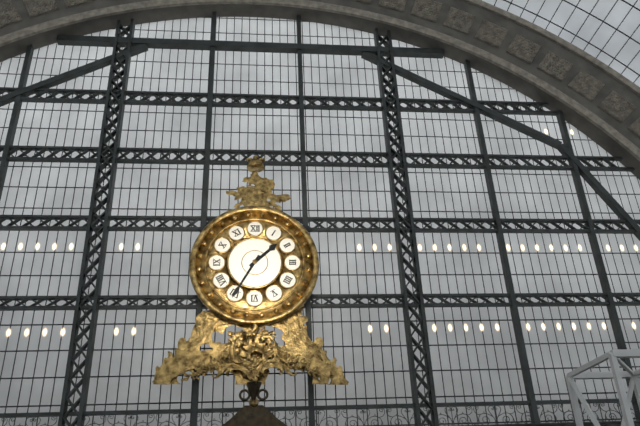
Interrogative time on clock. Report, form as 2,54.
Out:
1,35
